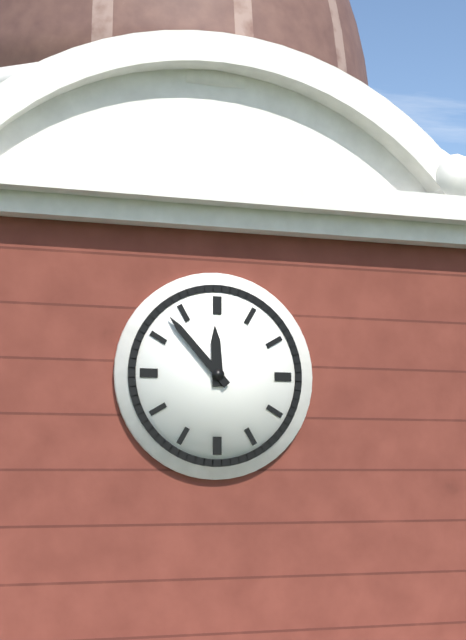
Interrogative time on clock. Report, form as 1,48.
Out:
11,53
